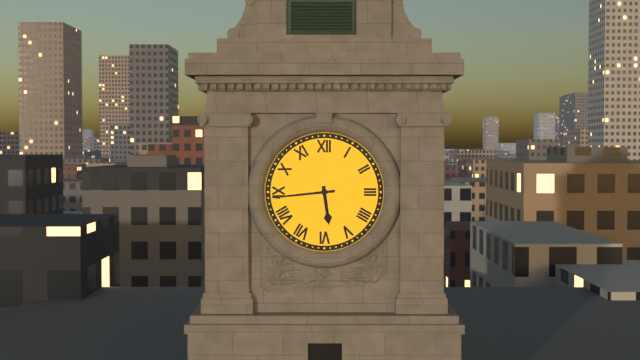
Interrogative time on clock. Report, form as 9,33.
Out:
5,44
